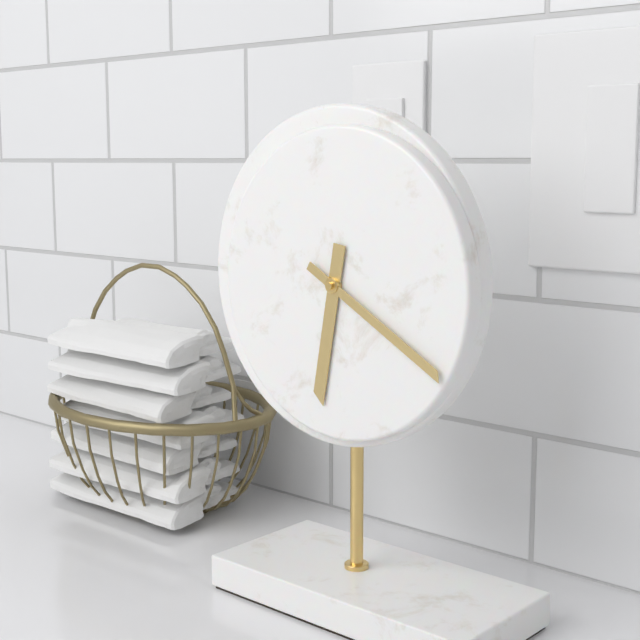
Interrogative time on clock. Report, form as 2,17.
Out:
6,20
